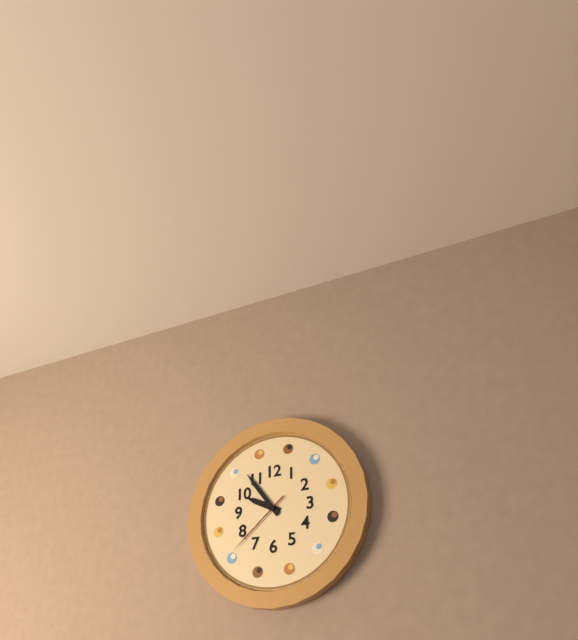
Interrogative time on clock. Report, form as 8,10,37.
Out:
9,54,38
